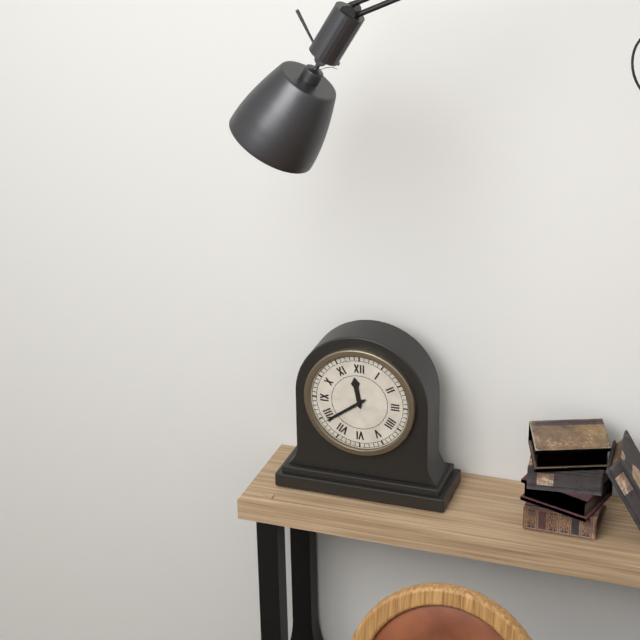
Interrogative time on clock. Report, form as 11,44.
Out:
11,39
